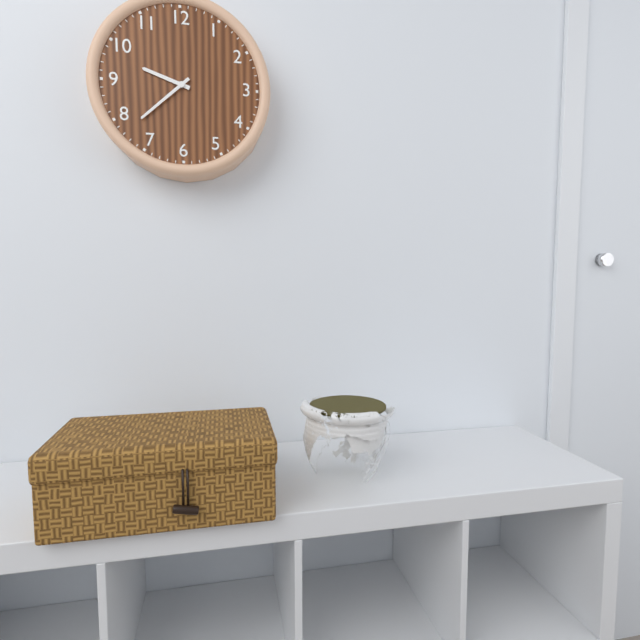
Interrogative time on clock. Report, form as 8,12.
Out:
9,38
